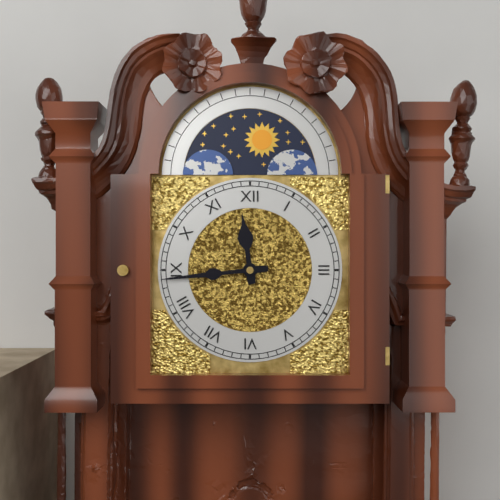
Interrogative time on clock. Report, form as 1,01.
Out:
11,44
